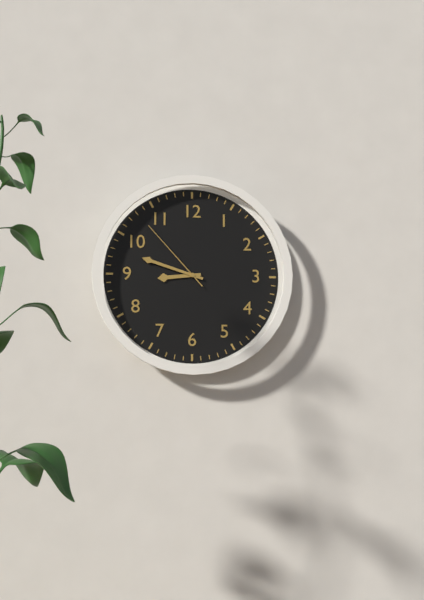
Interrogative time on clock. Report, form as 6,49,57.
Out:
8,48,53
